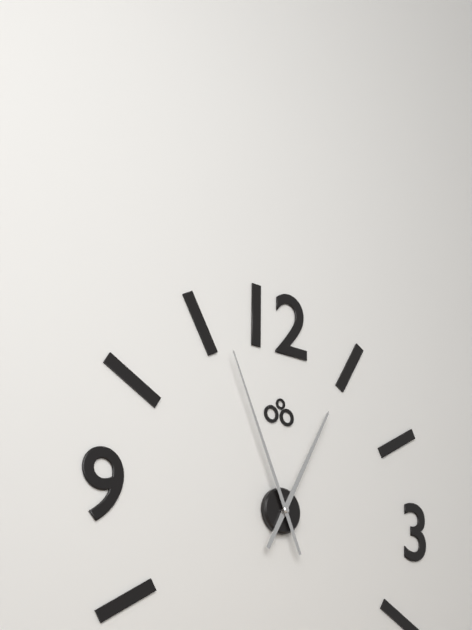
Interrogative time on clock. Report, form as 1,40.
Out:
12,56
